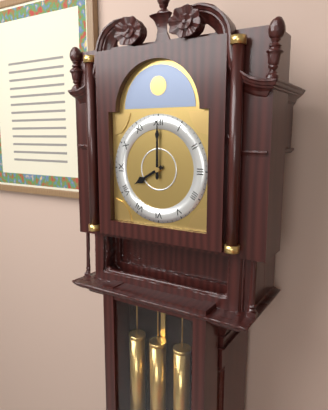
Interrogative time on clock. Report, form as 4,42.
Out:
8,00
